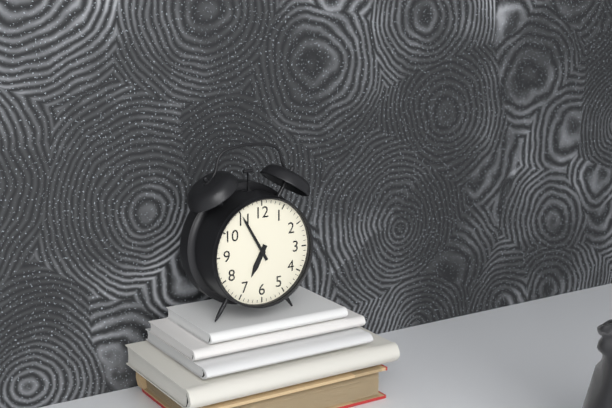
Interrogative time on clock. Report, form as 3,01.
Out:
6,55
